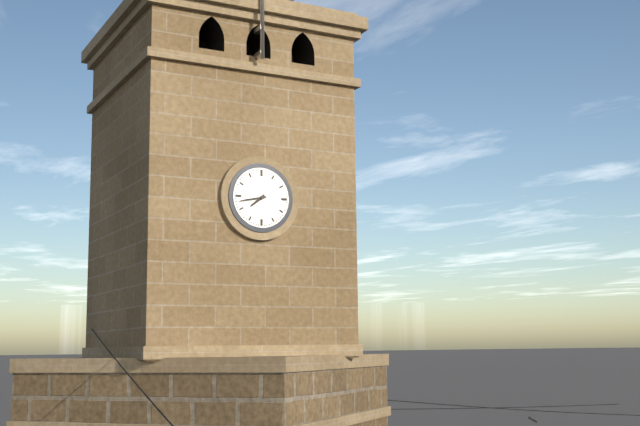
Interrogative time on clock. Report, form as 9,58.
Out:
7,43
